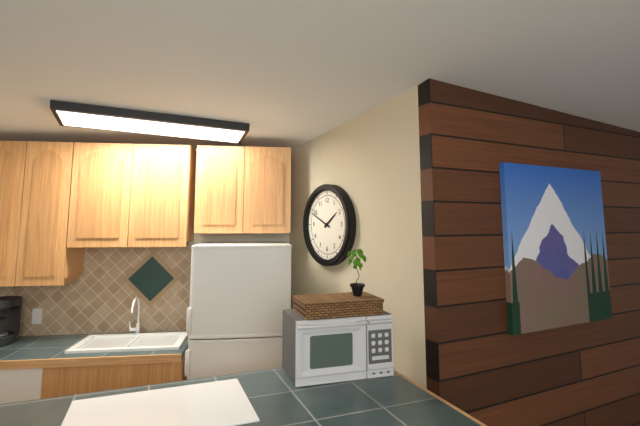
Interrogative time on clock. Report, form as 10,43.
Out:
1,49
